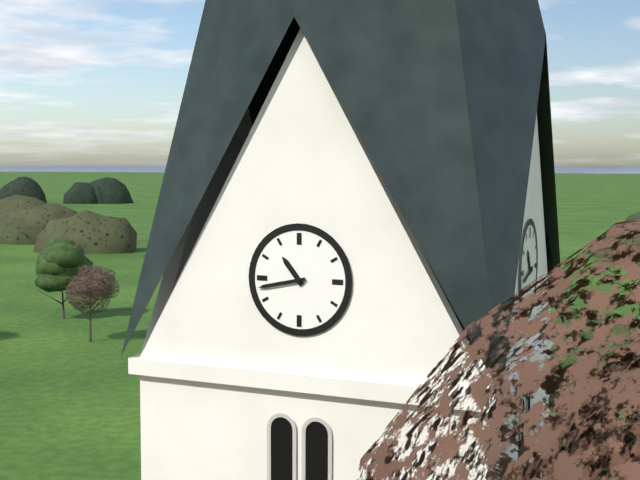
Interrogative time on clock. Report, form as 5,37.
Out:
10,43
